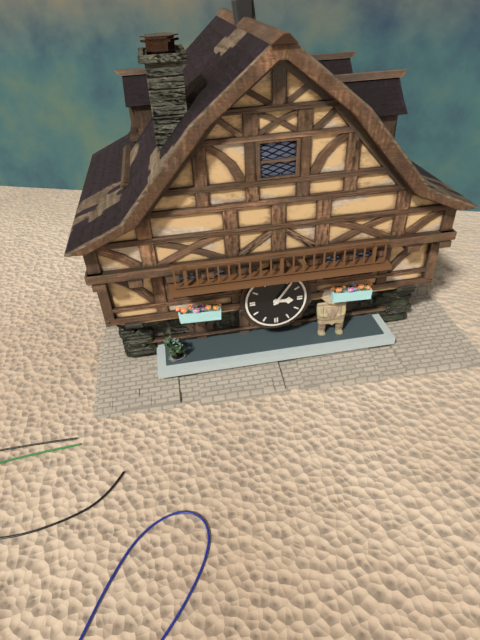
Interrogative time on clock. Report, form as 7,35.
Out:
3,06
